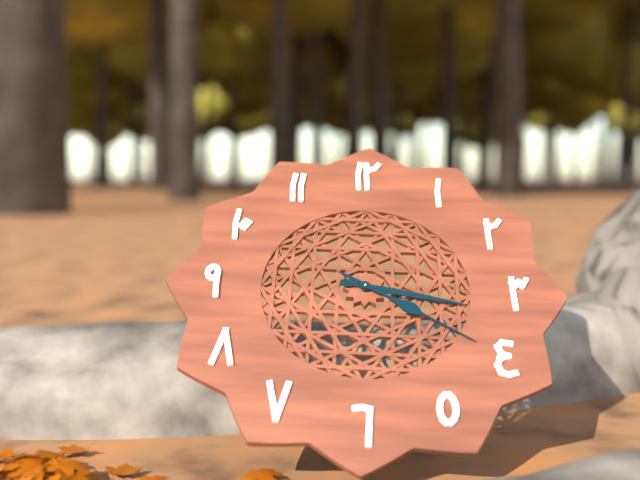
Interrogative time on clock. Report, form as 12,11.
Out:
3,20
